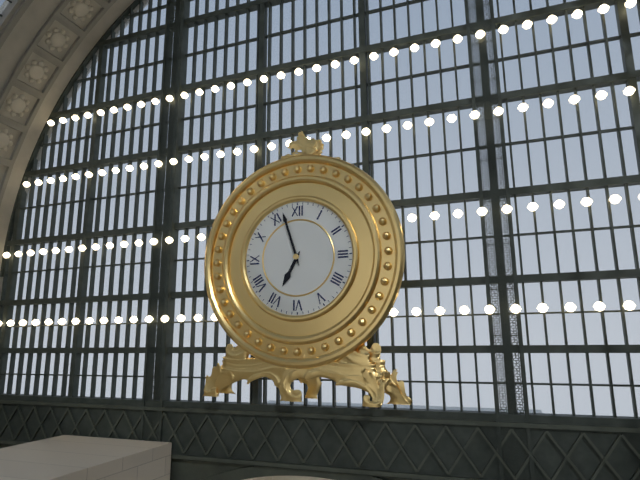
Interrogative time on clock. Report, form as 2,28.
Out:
6,57
